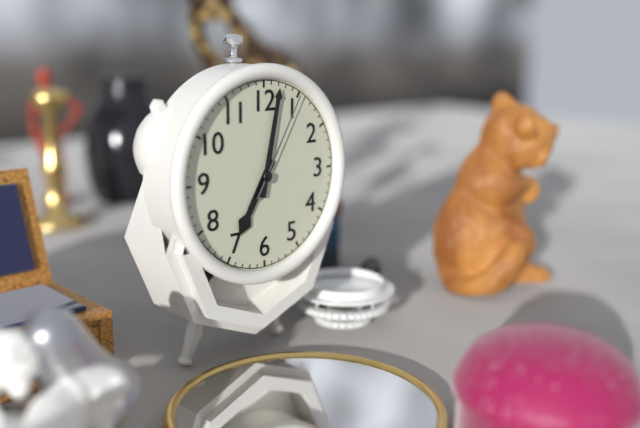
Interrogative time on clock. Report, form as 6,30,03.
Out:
7,02,05
